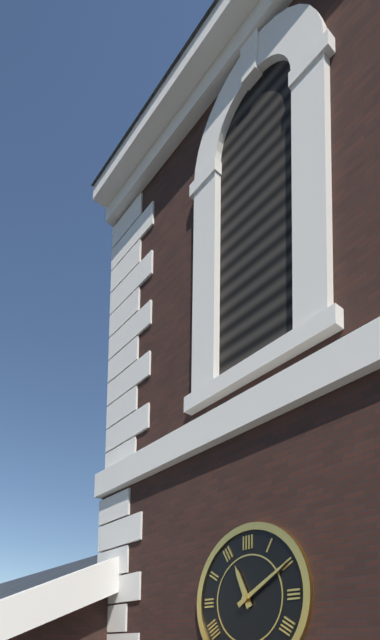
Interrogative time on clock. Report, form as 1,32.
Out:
11,10
